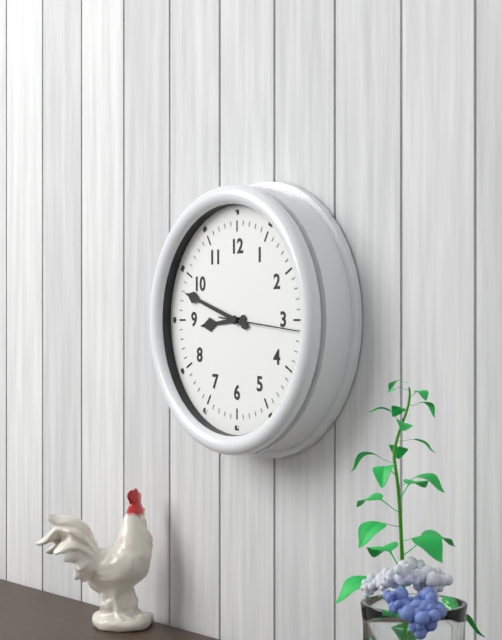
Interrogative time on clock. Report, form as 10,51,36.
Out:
8,48,16
